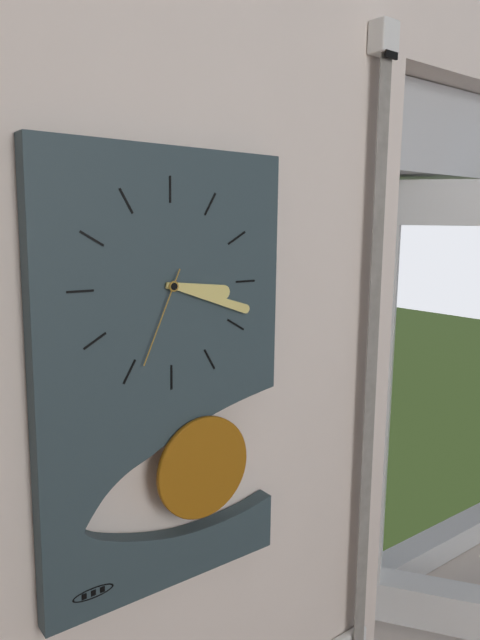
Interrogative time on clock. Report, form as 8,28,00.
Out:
3,18,34
